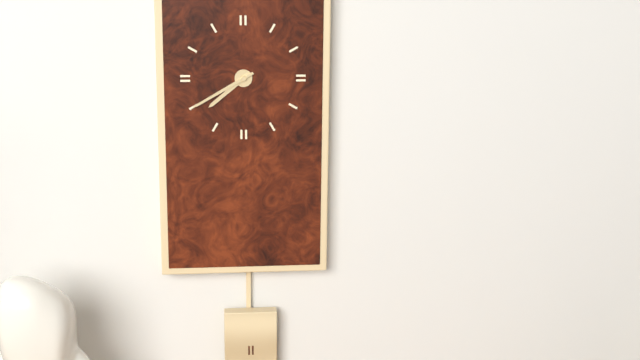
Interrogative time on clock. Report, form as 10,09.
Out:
7,40
